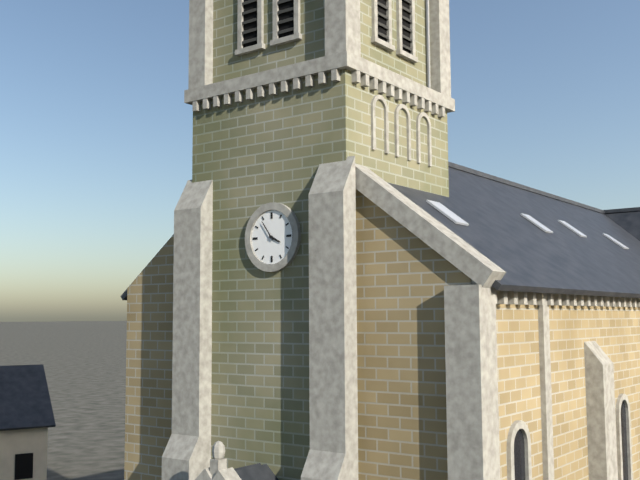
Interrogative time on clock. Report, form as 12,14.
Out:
3,54
